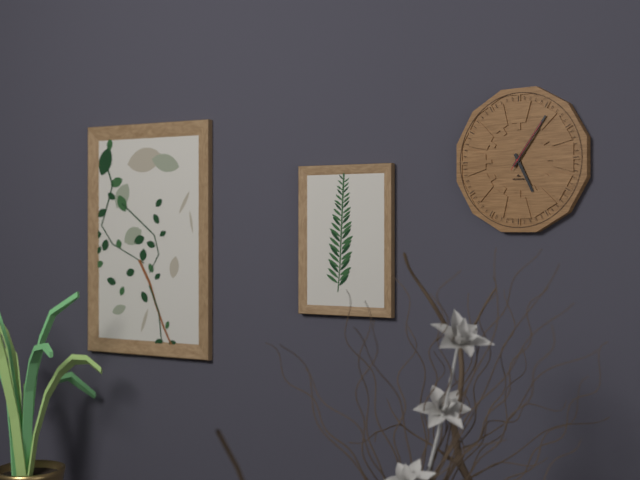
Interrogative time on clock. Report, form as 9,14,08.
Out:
5,06,06
